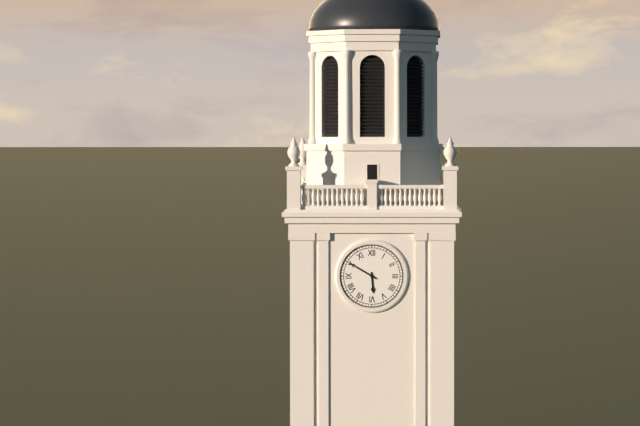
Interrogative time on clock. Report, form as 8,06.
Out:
5,50
